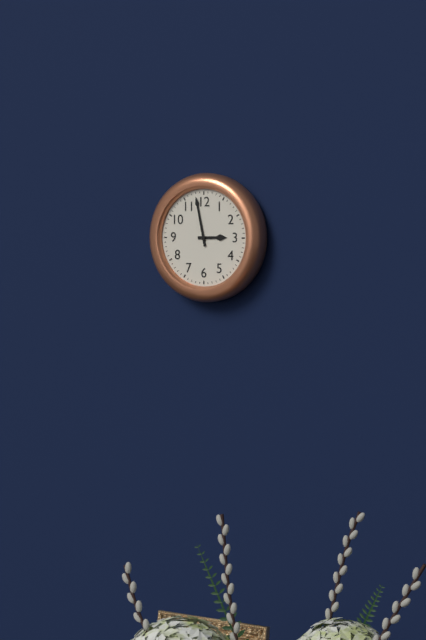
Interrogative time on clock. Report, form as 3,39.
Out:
2,58
